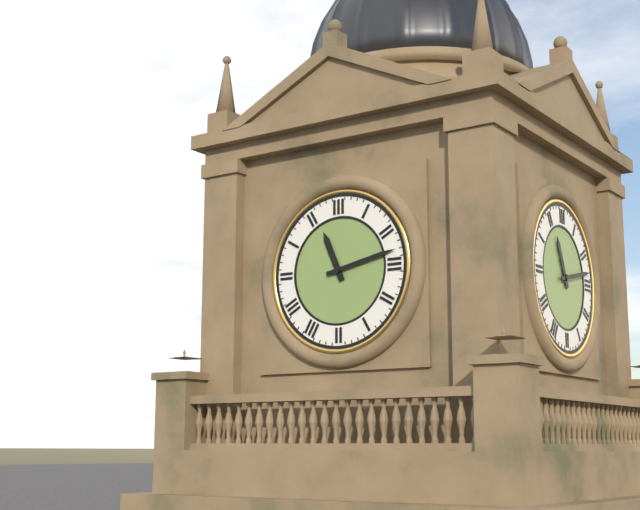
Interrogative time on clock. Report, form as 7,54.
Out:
11,13
